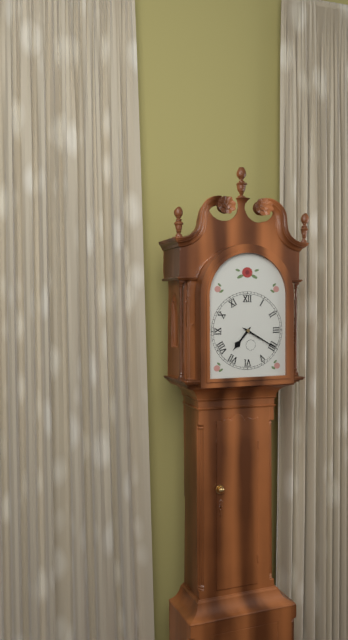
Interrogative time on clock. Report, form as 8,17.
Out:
7,20
